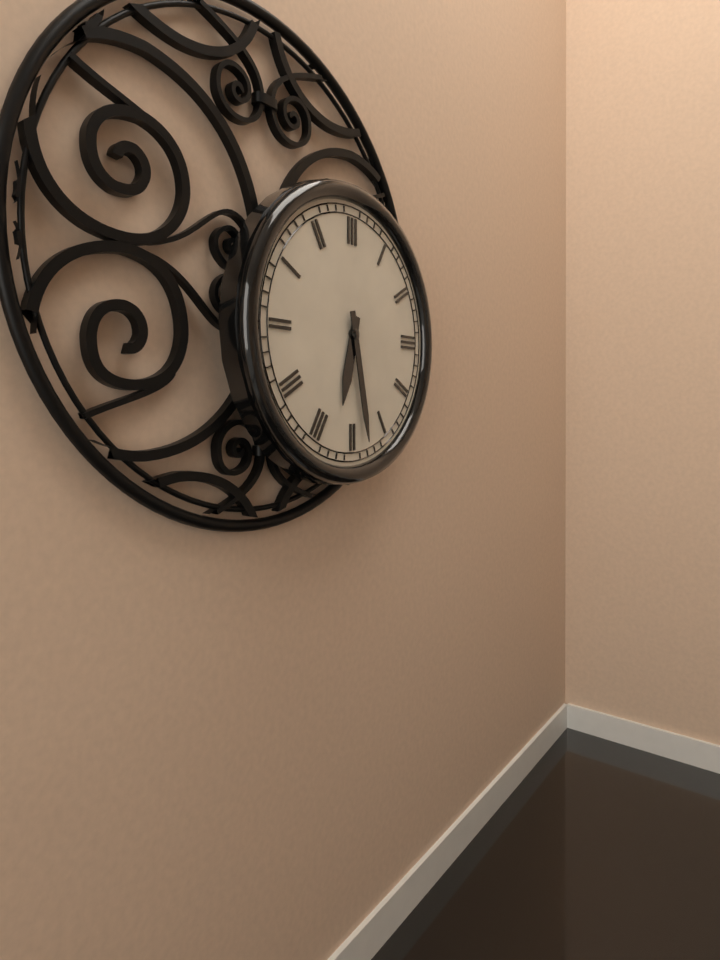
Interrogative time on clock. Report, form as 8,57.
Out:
6,28
